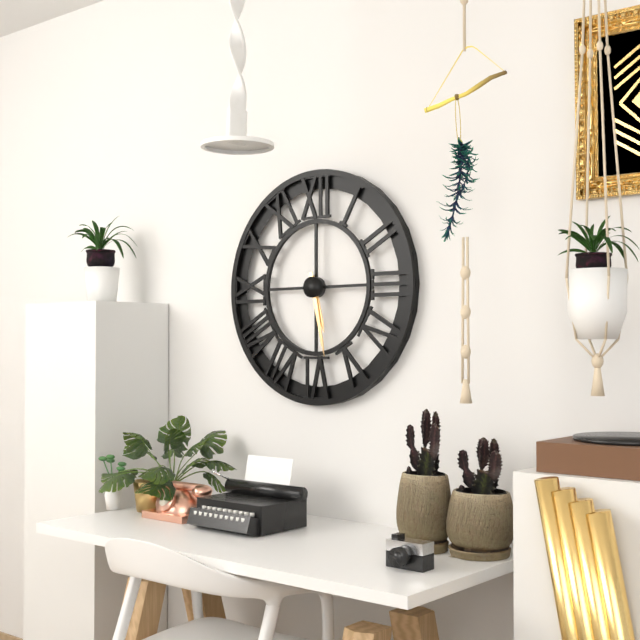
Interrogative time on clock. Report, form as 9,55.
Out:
5,28
